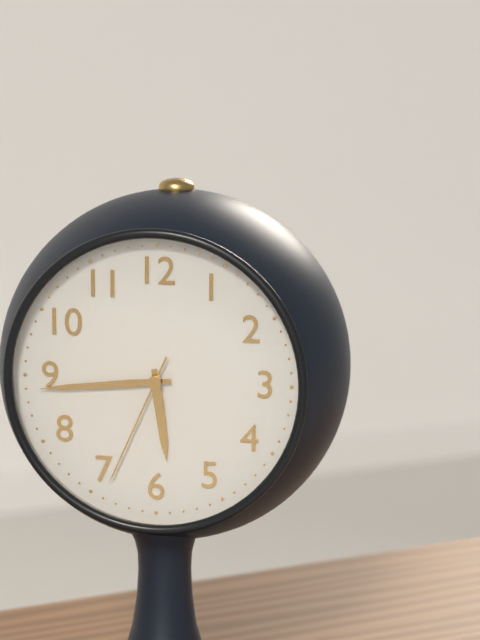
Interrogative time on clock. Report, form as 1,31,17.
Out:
5,44,34
